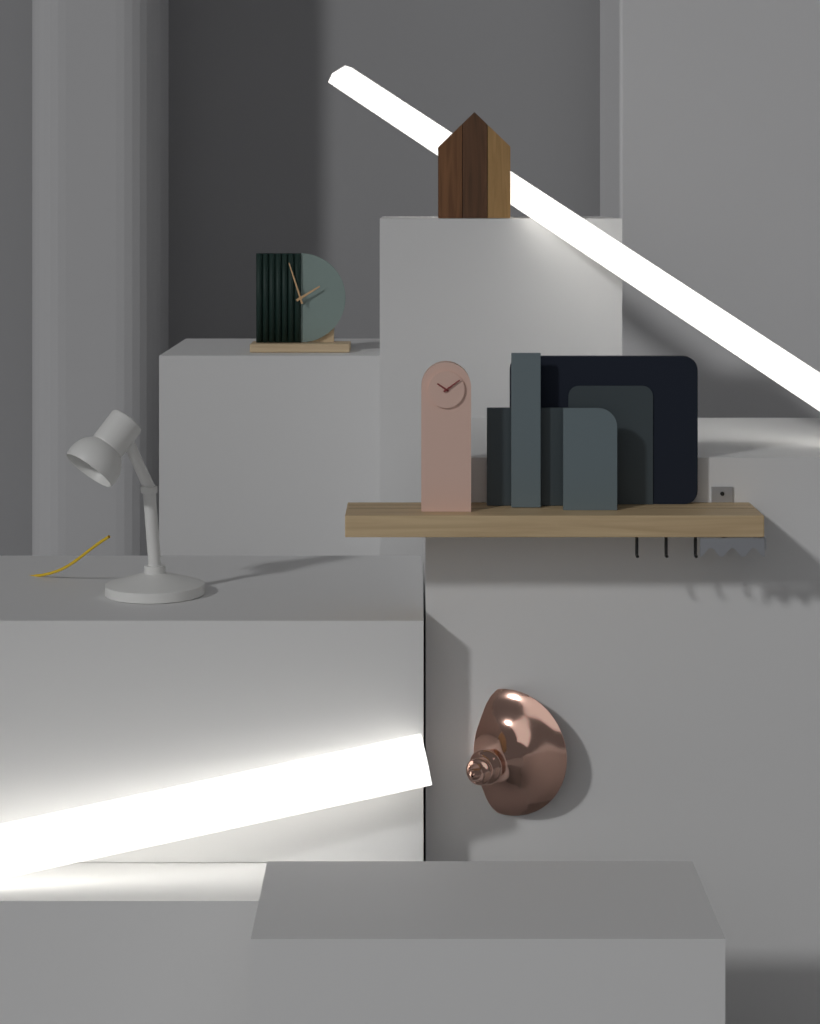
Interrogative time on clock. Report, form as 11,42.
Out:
1,57
